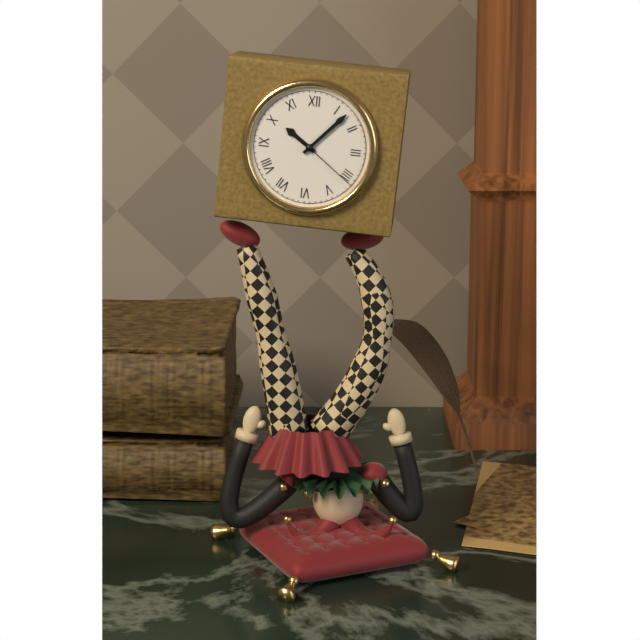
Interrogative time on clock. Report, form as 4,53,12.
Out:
10,07,21
